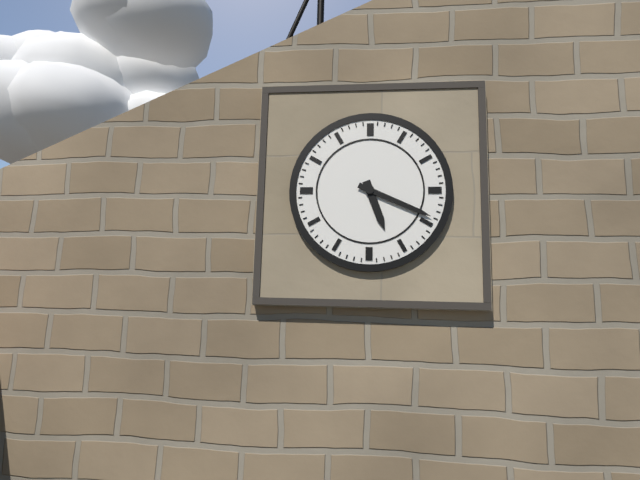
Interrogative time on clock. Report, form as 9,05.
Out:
5,19
